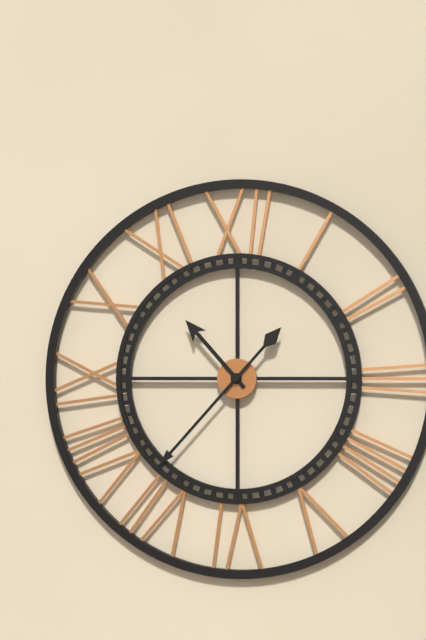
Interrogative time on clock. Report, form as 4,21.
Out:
10,37
